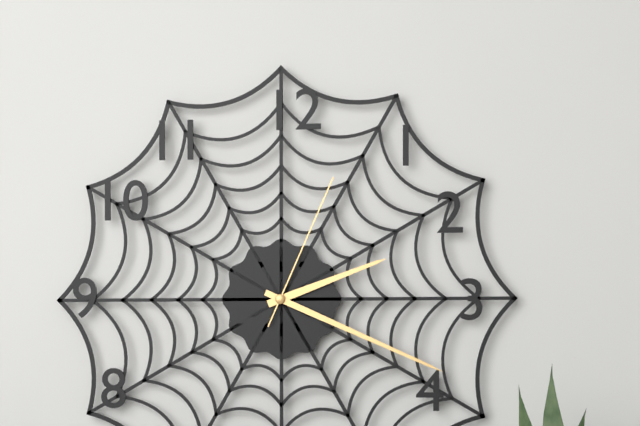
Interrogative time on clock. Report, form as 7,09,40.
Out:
2,19,04
